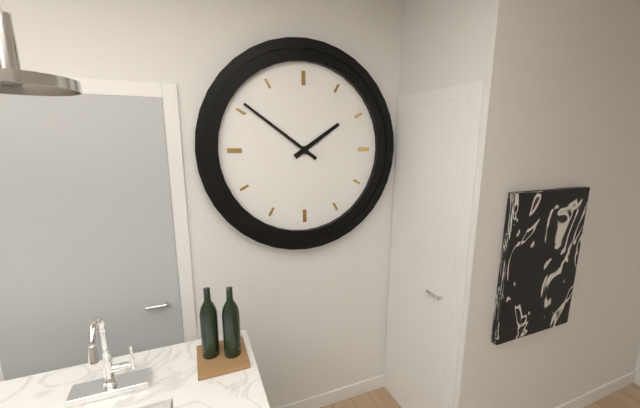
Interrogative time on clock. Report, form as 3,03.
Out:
1,51
